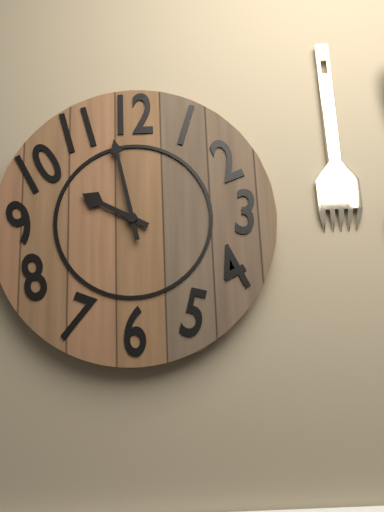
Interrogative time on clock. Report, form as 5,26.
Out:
9,58
